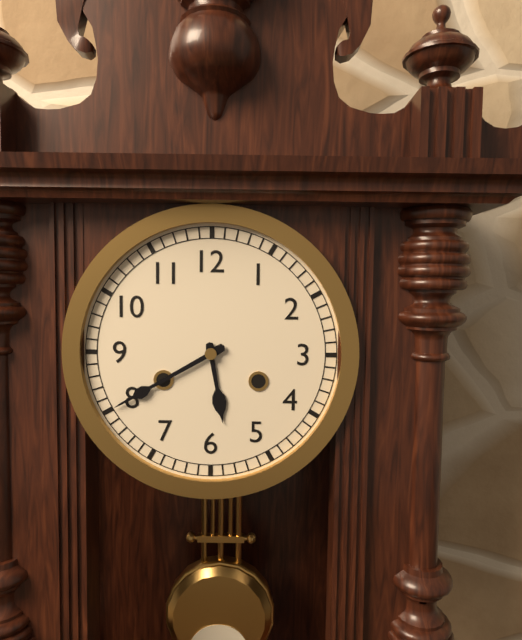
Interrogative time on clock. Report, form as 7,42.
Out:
5,40
